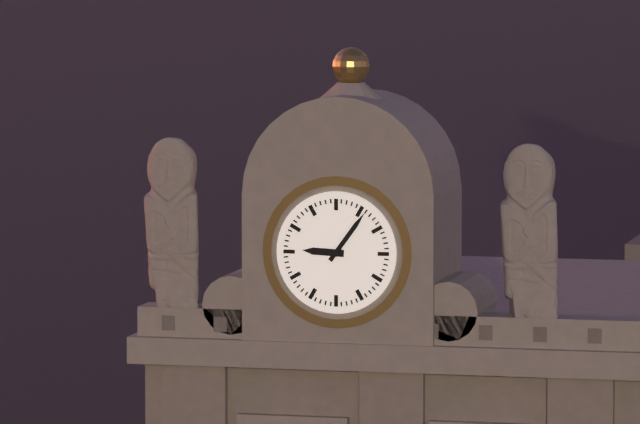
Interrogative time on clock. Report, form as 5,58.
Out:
9,06
